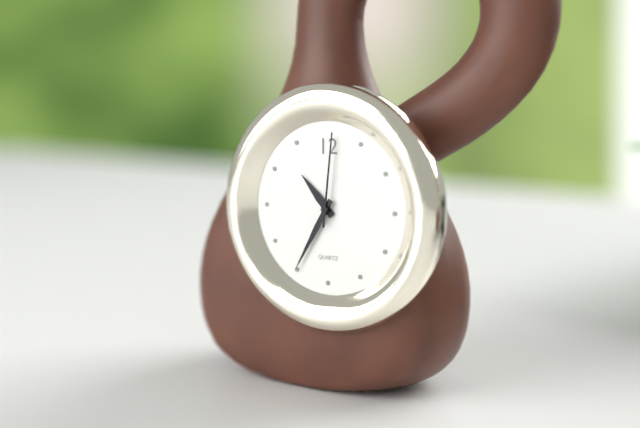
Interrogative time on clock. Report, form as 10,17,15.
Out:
10,35,01
